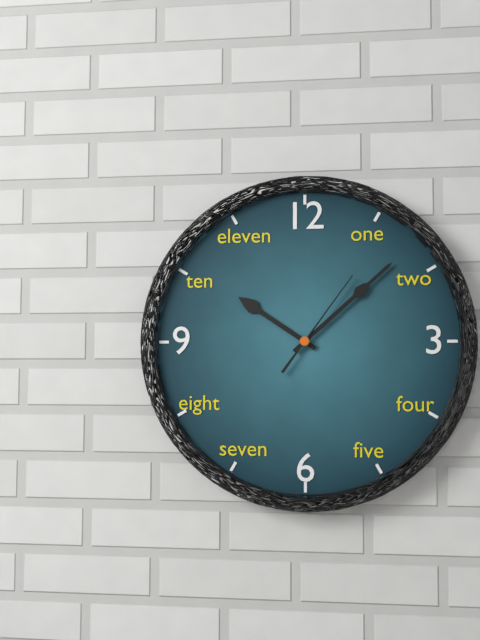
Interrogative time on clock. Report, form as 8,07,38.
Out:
10,08,06
